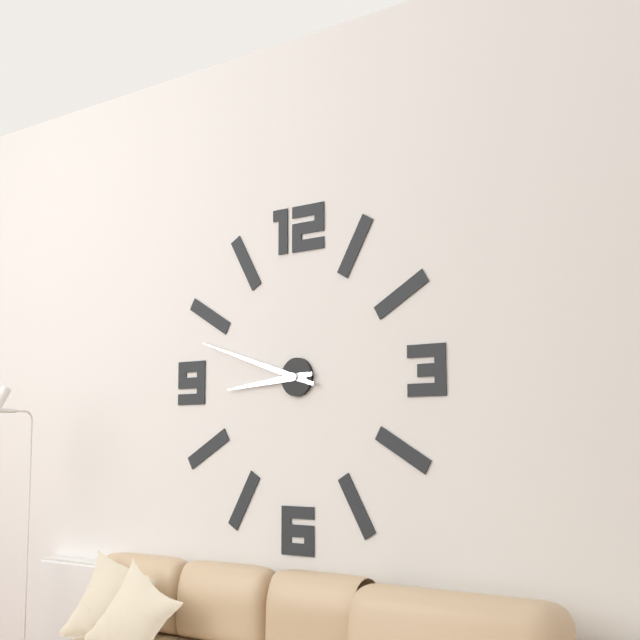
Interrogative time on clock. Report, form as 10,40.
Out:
8,48
